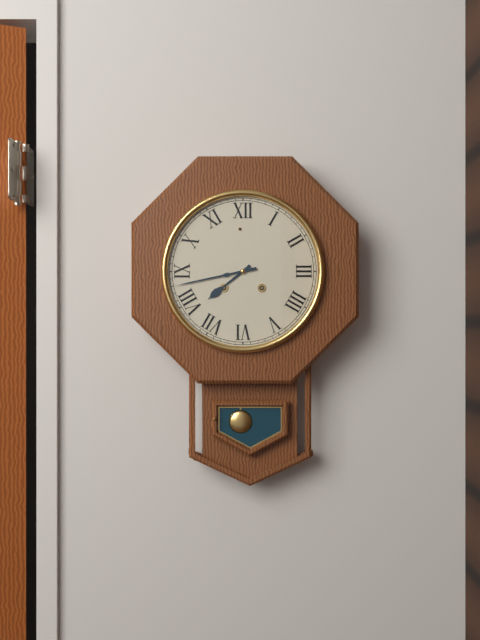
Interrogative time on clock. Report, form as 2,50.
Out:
7,43
